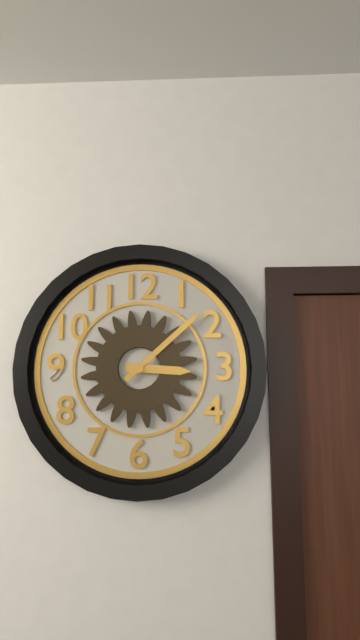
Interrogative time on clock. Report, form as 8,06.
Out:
3,08
